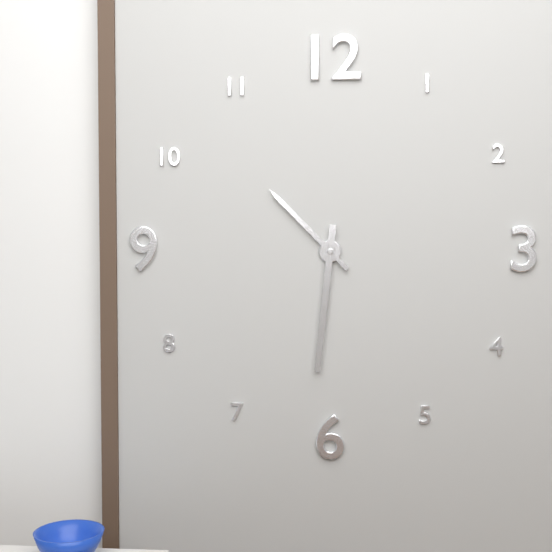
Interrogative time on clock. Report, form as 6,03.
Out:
10,31
